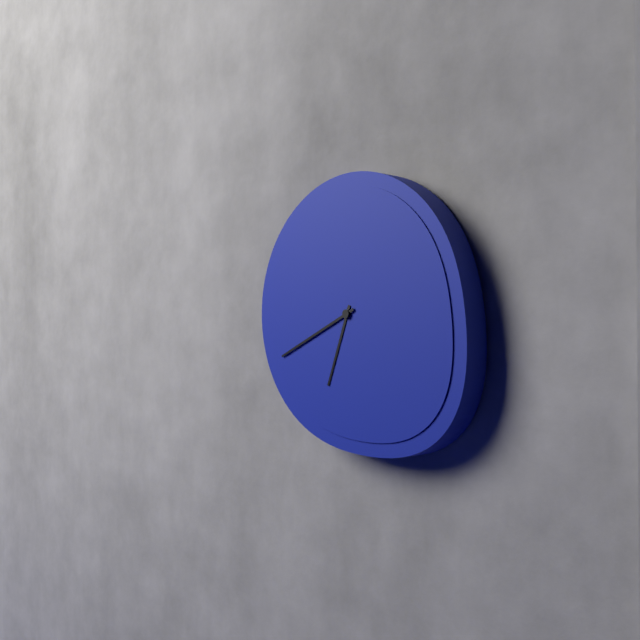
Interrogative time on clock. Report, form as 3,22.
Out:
6,41
